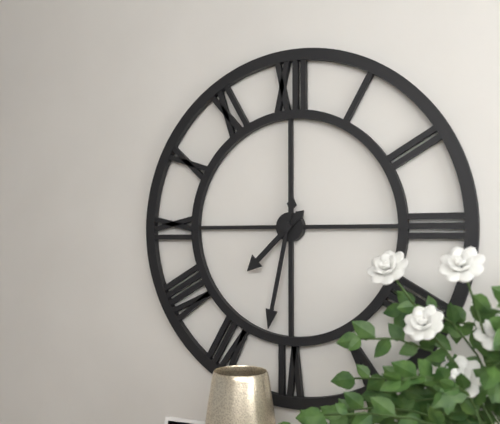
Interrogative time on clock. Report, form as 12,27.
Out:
7,32
